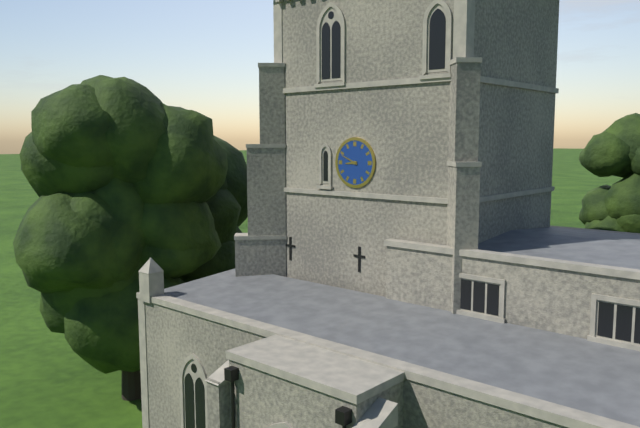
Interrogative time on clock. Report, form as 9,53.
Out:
8,49
